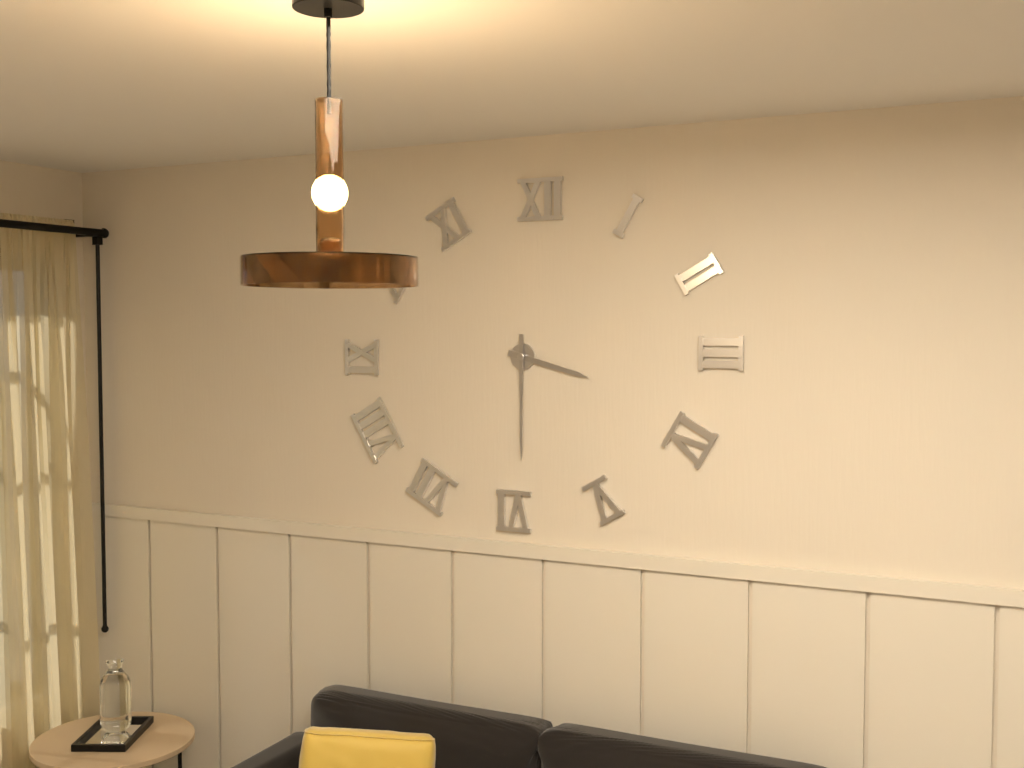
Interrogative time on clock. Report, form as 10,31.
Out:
3,30
